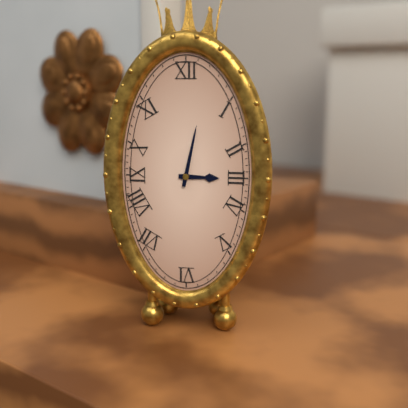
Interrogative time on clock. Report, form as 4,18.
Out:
3,02
